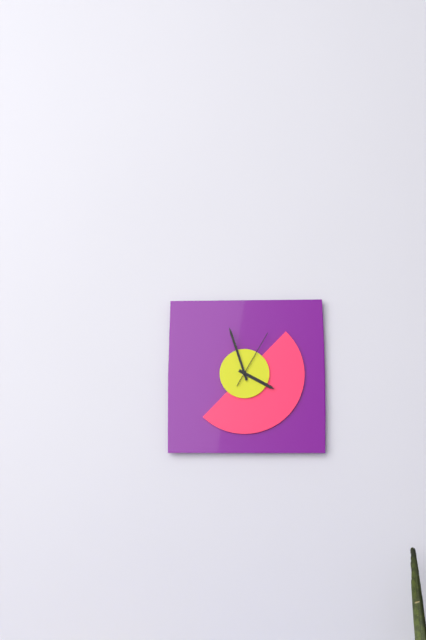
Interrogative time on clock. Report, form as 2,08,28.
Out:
3,57,05
